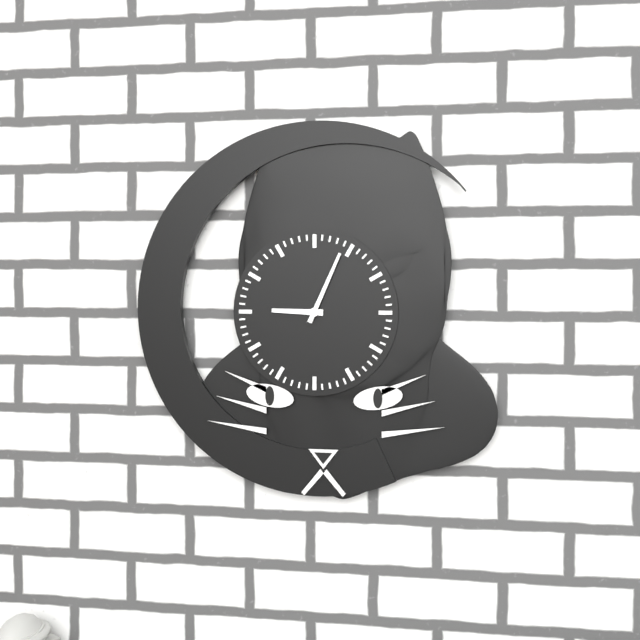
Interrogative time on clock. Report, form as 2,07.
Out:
9,04
